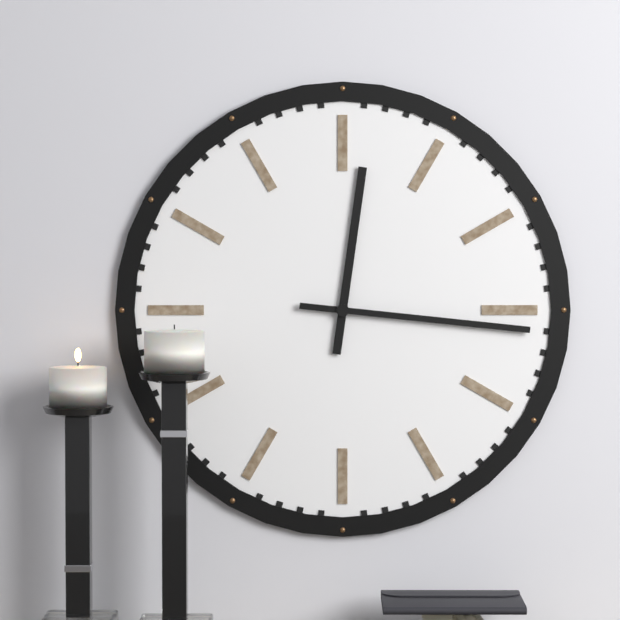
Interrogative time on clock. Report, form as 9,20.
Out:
12,16
